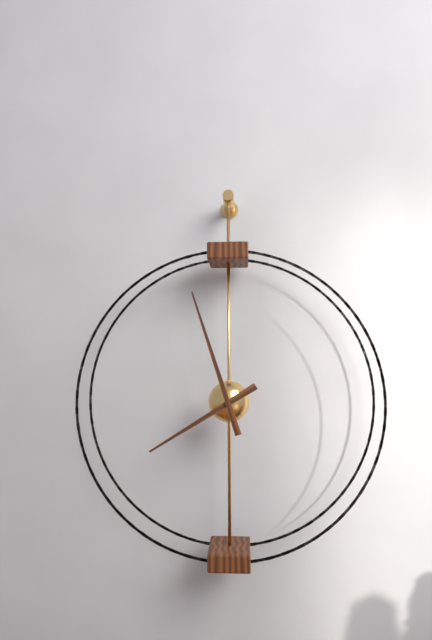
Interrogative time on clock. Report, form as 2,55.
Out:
7,57
